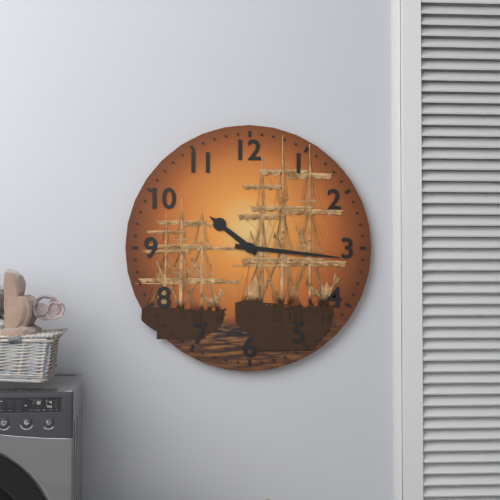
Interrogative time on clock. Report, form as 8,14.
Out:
10,16
